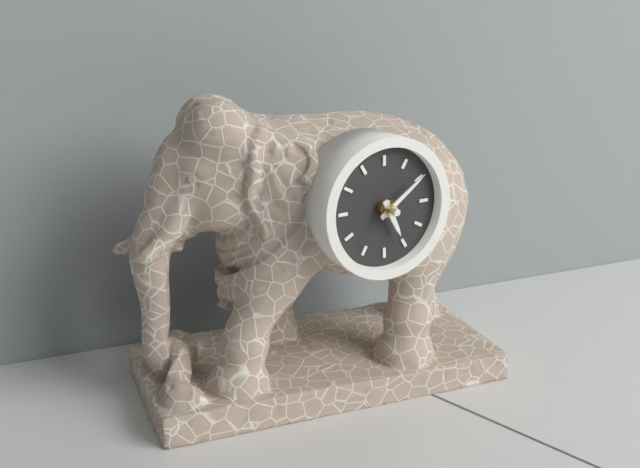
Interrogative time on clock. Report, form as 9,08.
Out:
5,09
